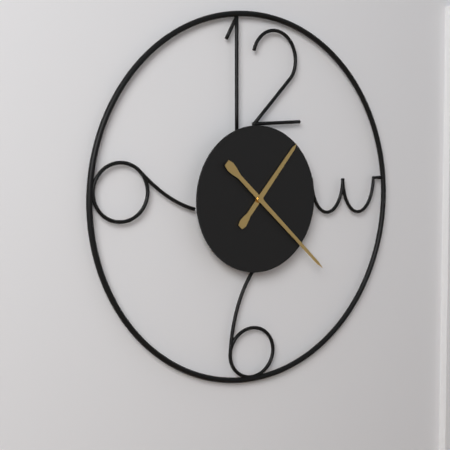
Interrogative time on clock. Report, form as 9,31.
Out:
1,22
